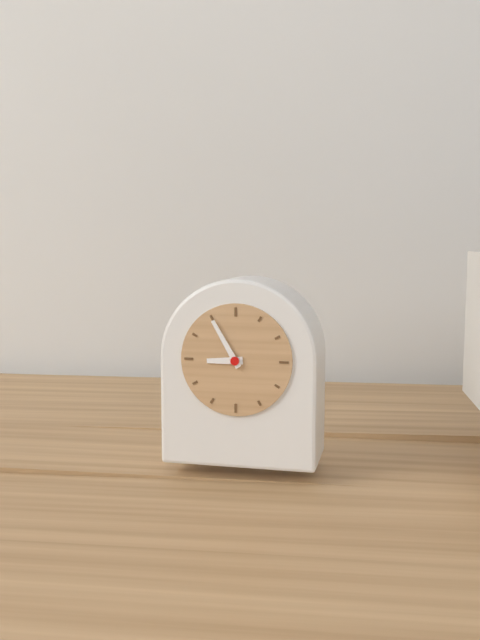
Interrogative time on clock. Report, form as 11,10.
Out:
8,55
